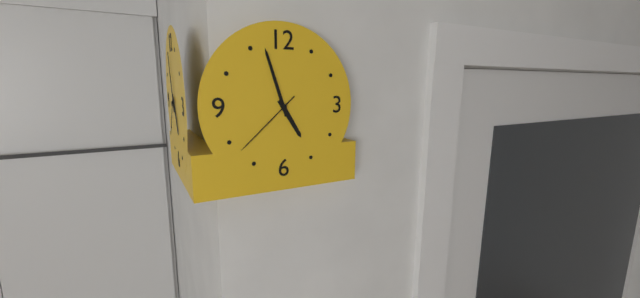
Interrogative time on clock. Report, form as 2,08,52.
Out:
4,57,38
